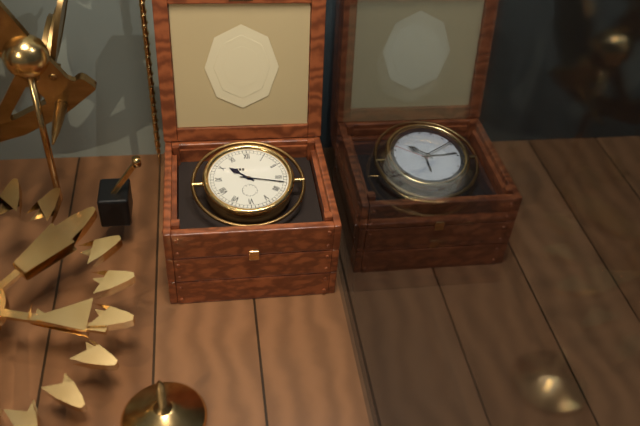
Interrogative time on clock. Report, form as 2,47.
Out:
10,17
